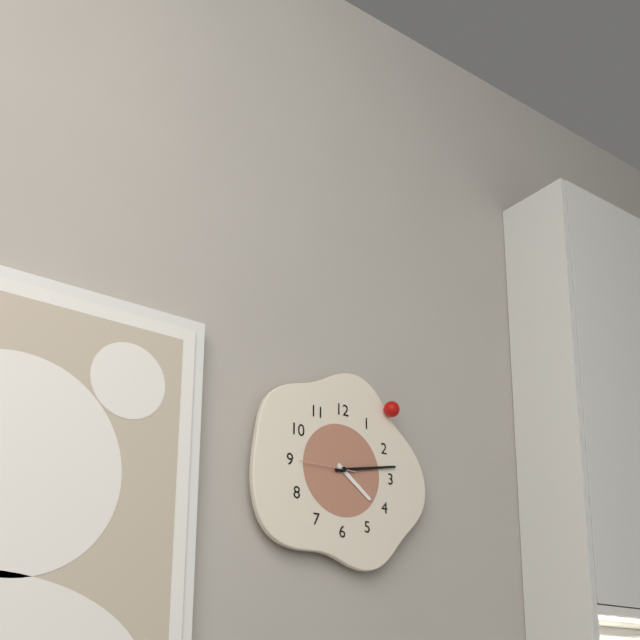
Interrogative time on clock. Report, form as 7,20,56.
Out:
4,13,45
